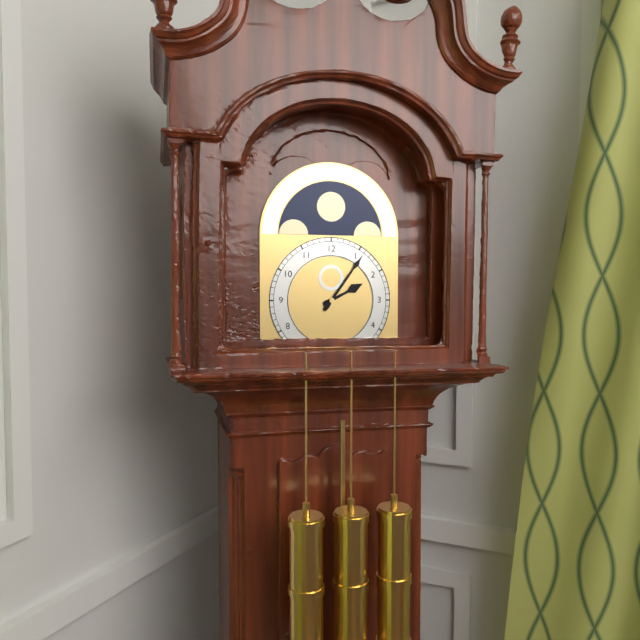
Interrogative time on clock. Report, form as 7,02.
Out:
2,06
